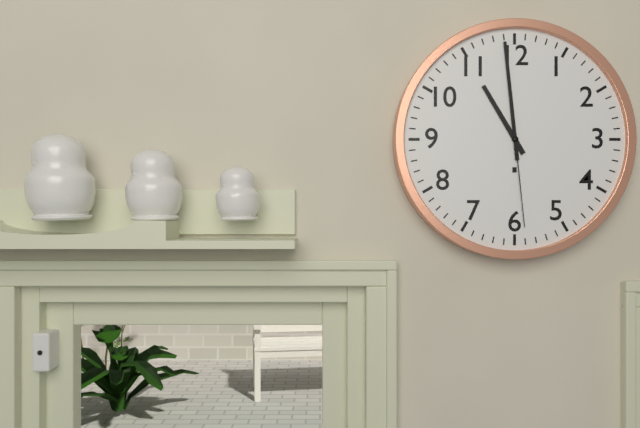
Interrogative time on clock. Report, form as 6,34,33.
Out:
10,59,29
